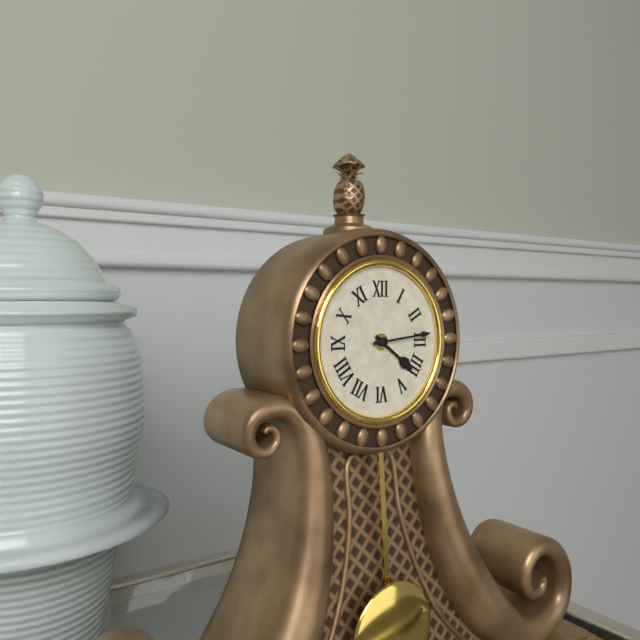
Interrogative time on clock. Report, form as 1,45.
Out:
4,14
